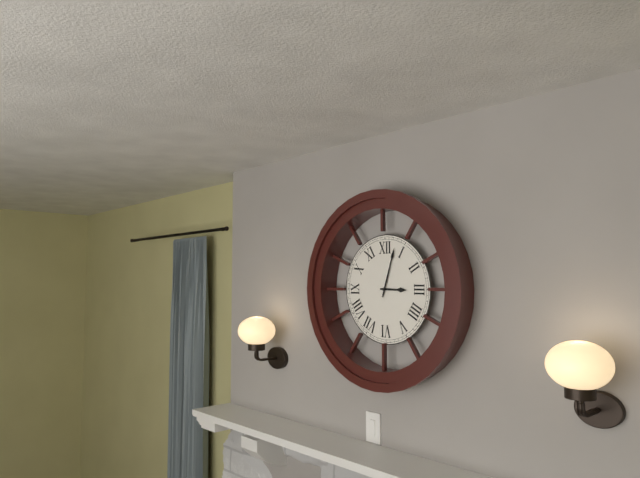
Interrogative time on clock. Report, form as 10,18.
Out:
3,03
